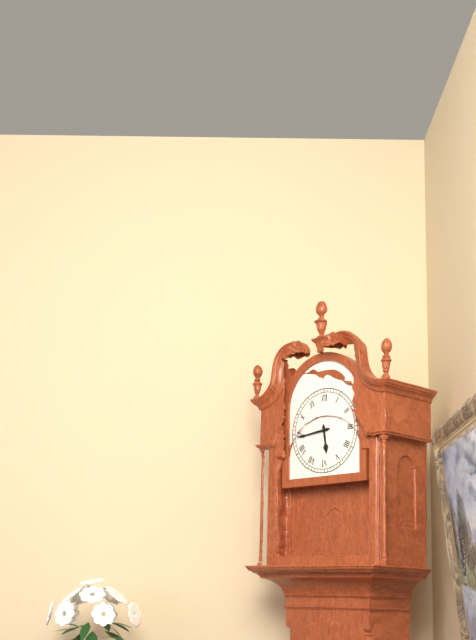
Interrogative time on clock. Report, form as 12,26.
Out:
5,44
